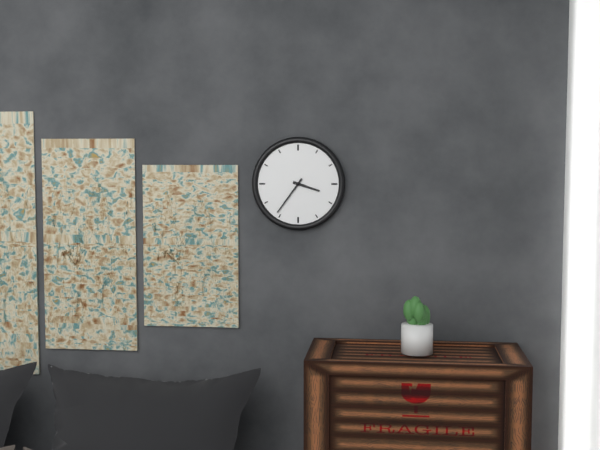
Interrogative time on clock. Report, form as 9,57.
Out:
3,36
